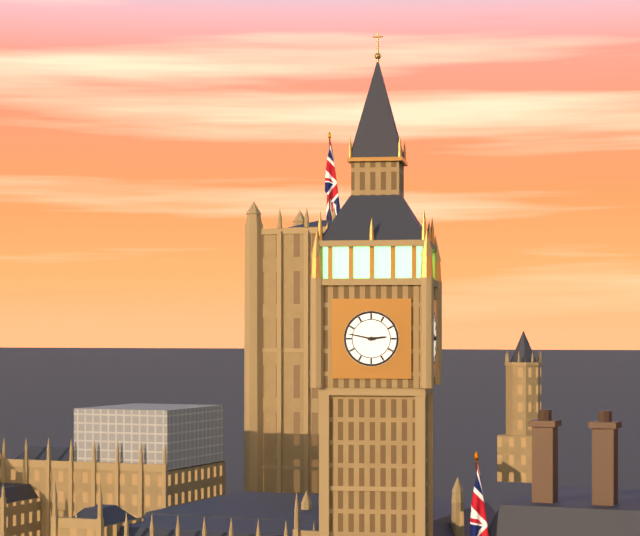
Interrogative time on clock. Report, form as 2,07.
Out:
2,47
